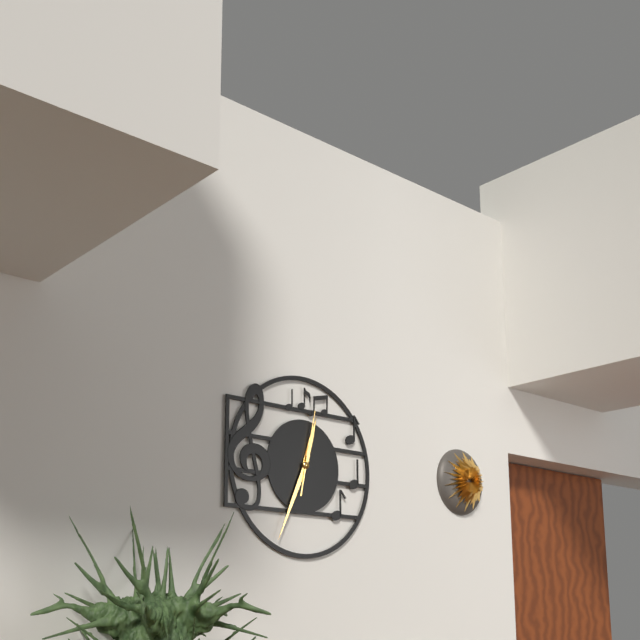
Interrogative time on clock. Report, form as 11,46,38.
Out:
12,34,02
